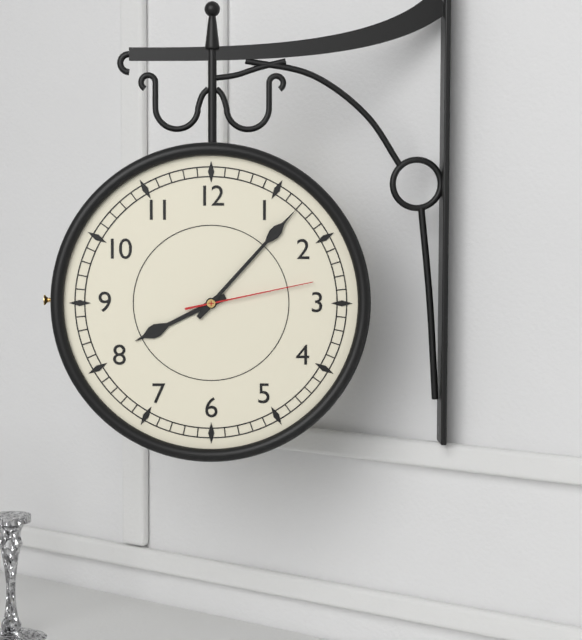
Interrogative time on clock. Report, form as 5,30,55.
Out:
8,07,13
